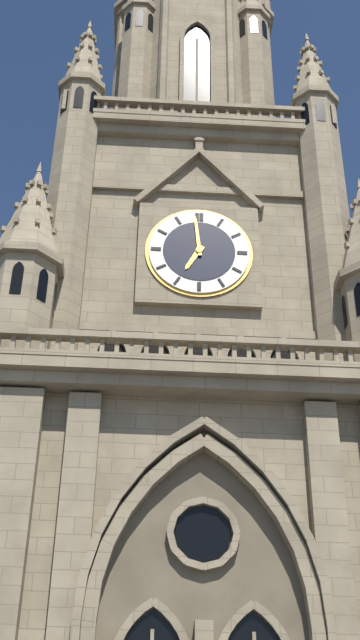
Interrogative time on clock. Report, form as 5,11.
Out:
6,59
